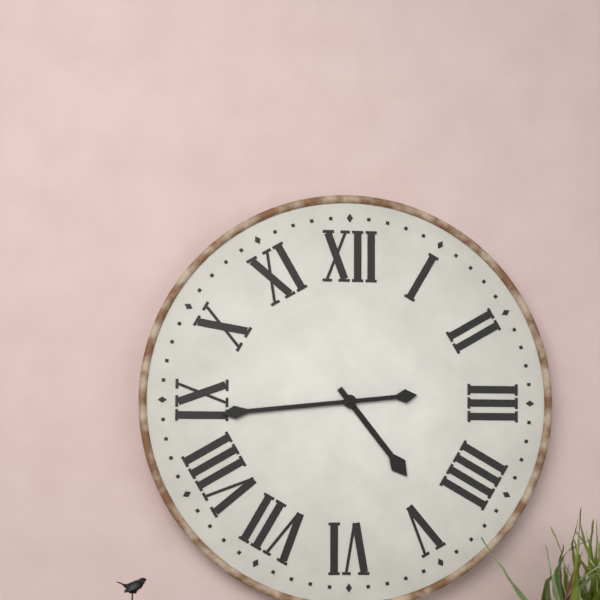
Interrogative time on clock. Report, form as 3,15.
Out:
4,44
